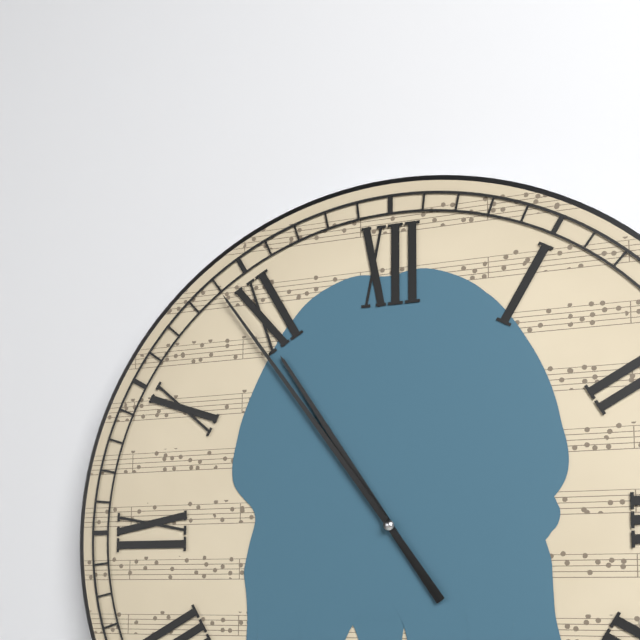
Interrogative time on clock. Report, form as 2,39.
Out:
10,54
